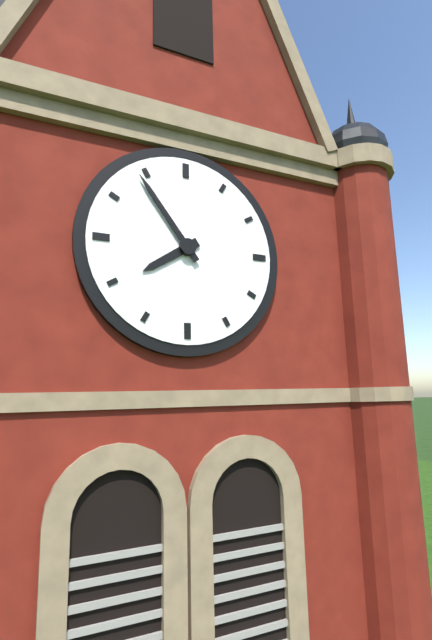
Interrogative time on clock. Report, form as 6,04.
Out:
7,54
